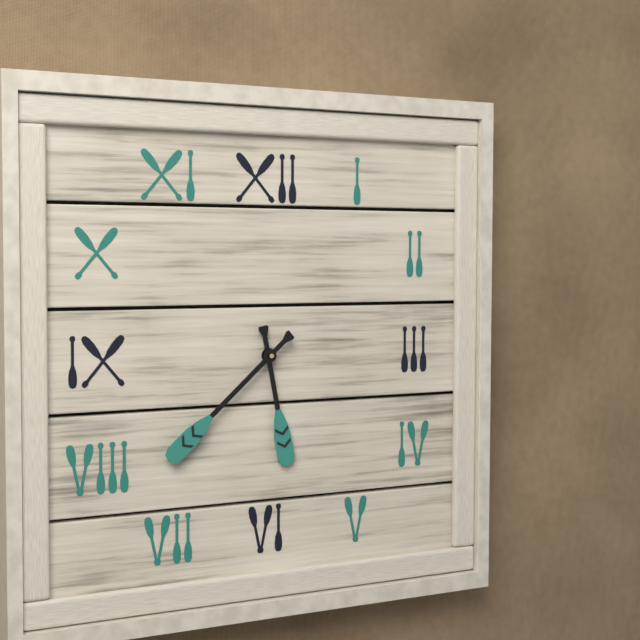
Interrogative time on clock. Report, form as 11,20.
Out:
5,38
